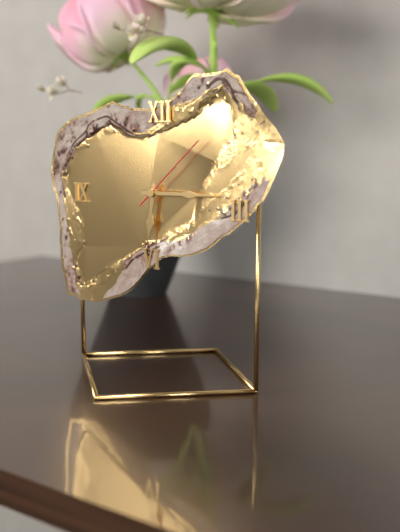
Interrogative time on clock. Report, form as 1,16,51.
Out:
6,15,08
